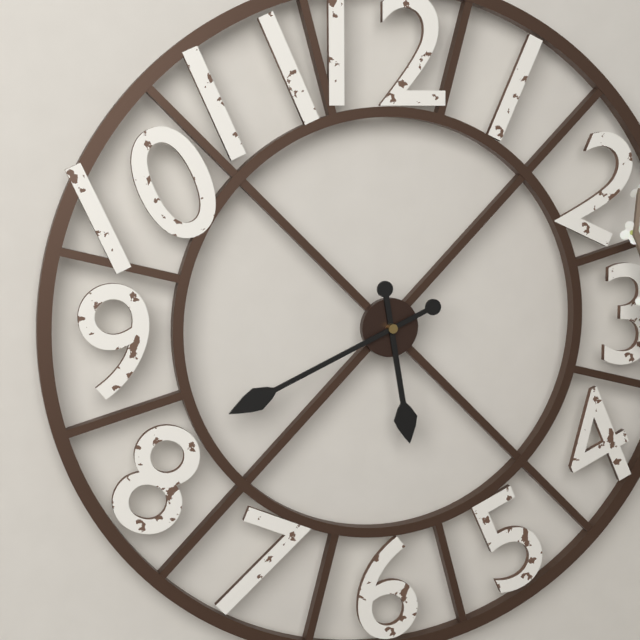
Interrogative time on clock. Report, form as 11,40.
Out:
5,41
